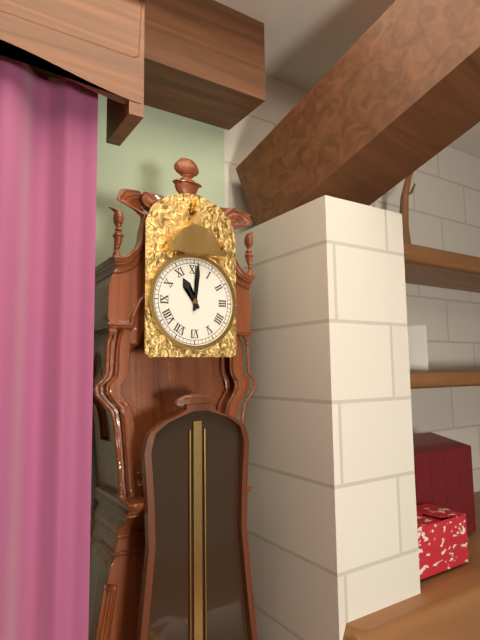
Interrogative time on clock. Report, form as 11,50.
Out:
11,01
